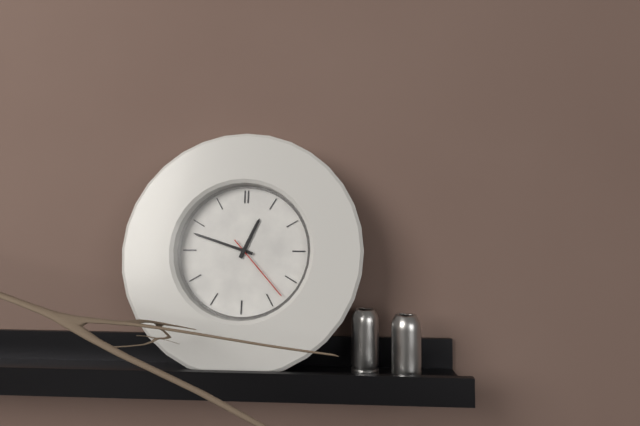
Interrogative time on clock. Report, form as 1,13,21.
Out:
12,48,23
